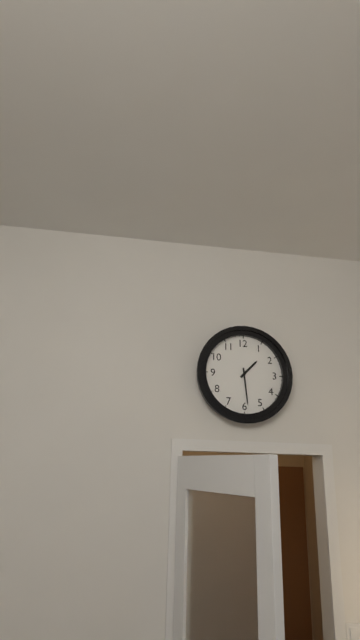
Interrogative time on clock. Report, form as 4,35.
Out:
1,29
